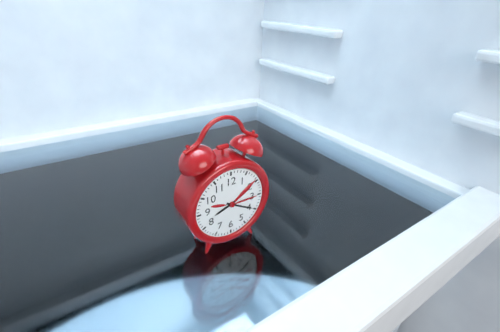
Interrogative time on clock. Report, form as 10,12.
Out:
8,20
